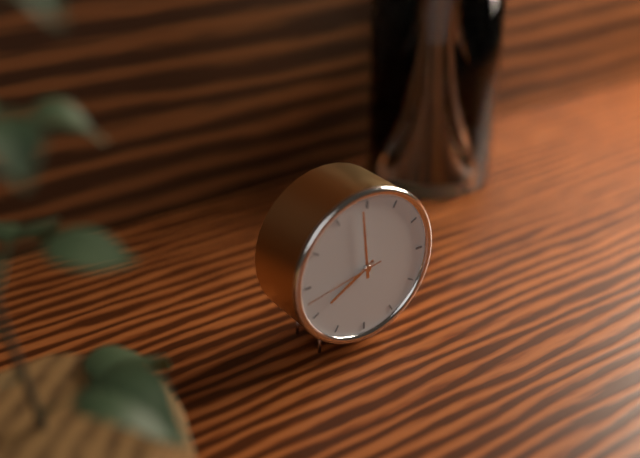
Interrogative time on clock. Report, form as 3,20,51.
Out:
7,59,43
